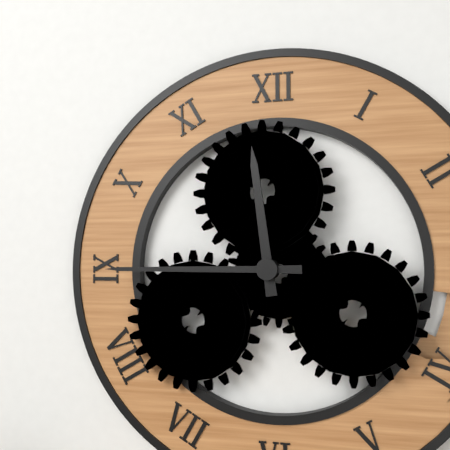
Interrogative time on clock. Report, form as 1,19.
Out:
11,45
